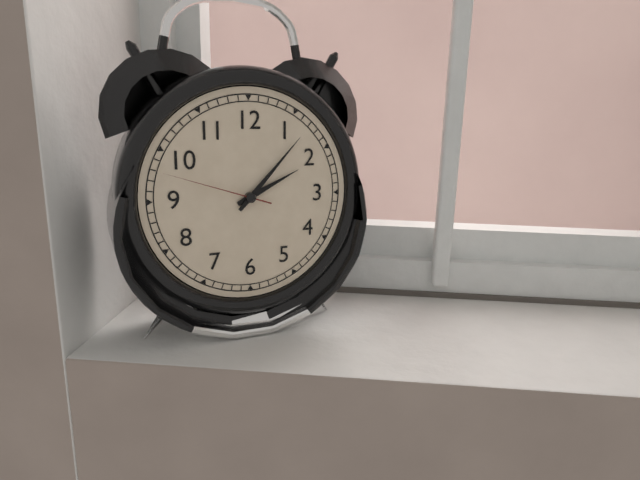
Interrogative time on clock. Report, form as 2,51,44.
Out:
2,07,48
